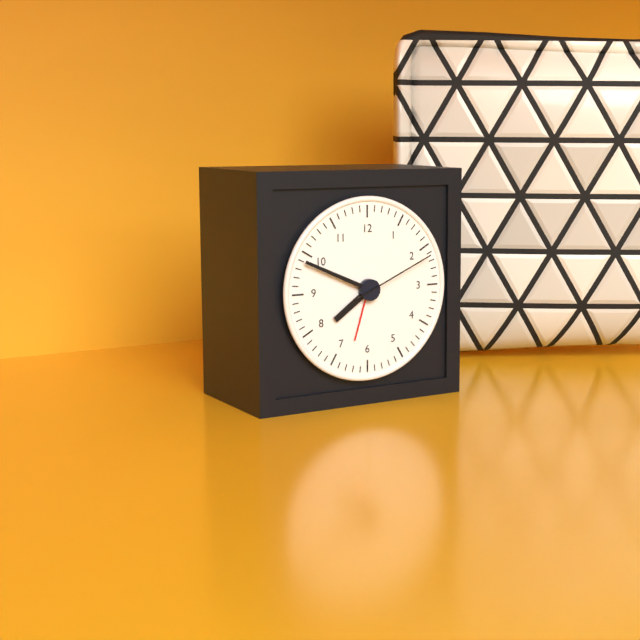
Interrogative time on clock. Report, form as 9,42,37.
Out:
7,49,11
